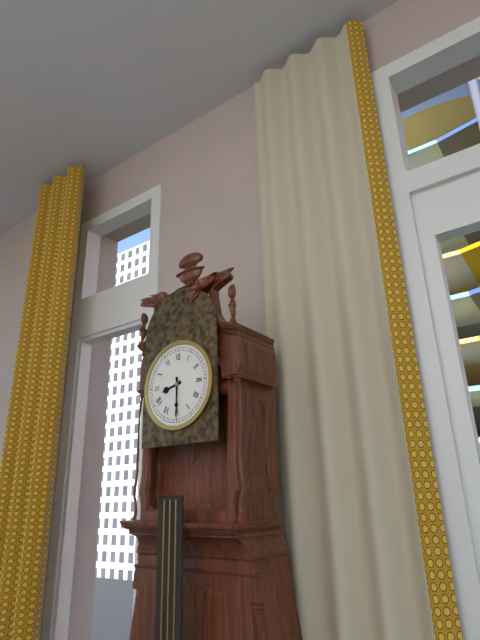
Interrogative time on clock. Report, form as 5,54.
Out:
8,30
